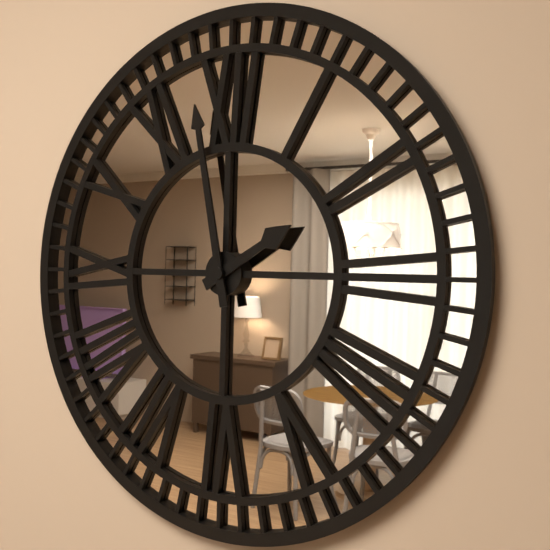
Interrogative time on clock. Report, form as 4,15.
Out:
1,58
